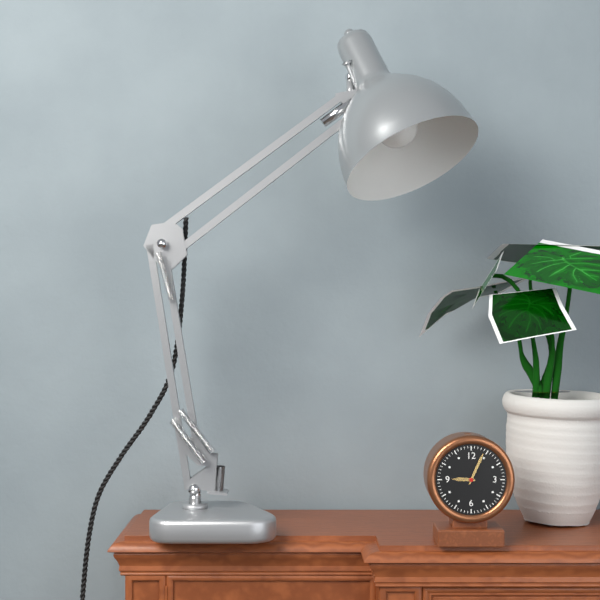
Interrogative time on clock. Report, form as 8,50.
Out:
9,04
